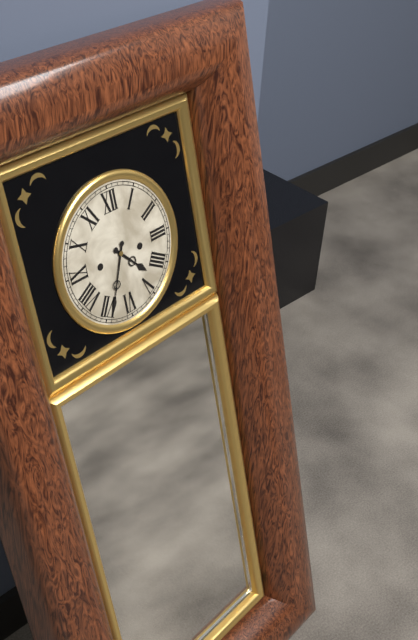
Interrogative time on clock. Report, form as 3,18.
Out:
4,34
